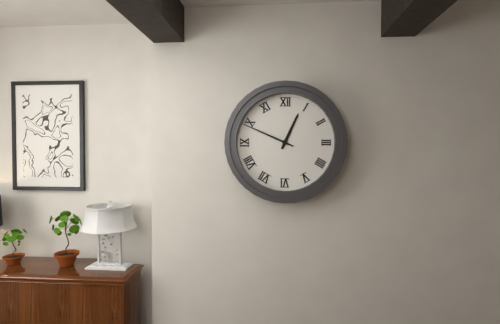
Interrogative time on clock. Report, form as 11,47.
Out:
12,49
